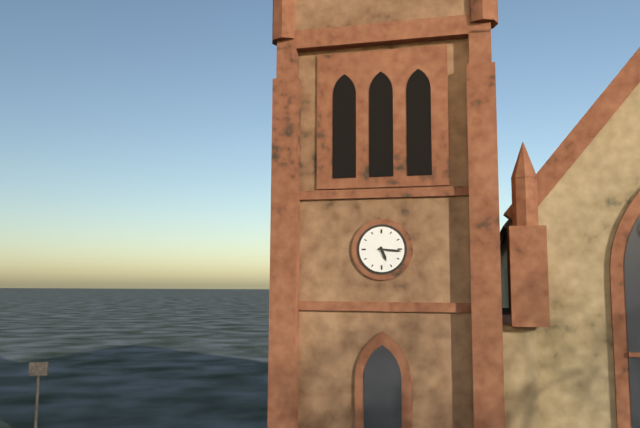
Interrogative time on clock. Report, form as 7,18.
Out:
5,16
